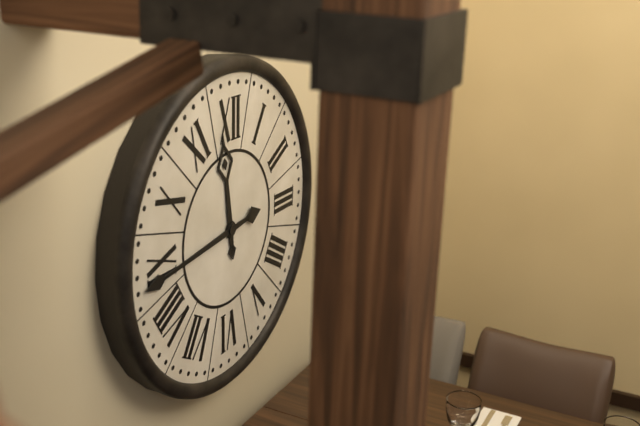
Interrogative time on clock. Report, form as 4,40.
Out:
11,44
